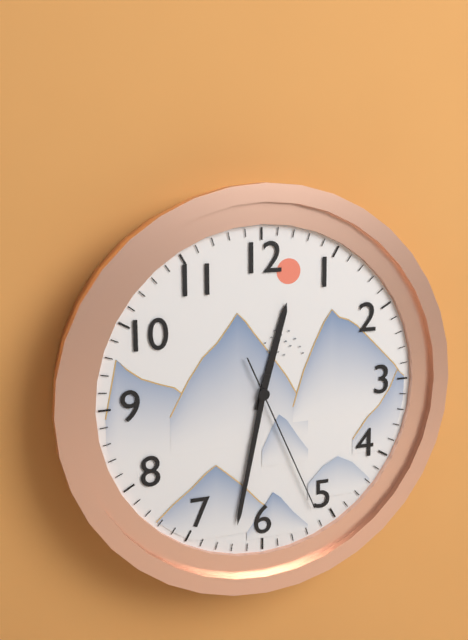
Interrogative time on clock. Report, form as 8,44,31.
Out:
12,32,26
